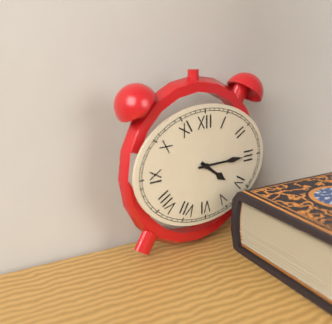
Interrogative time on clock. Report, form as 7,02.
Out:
4,15
